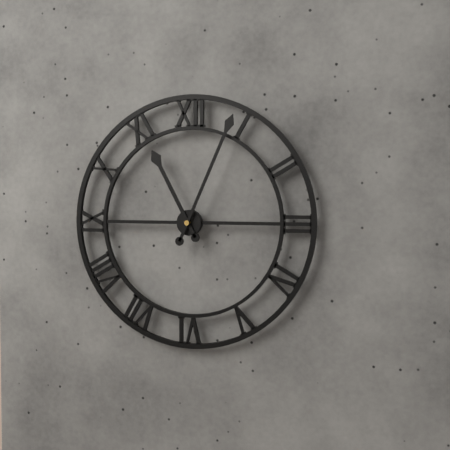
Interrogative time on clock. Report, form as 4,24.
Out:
11,04
